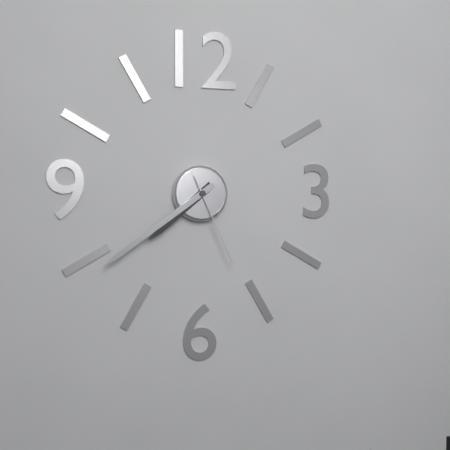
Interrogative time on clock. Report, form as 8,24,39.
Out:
7,39,26
